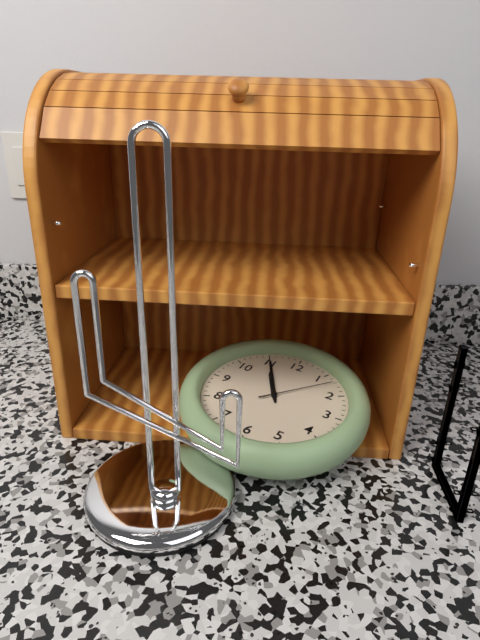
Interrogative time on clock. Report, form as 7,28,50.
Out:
10,55,07
